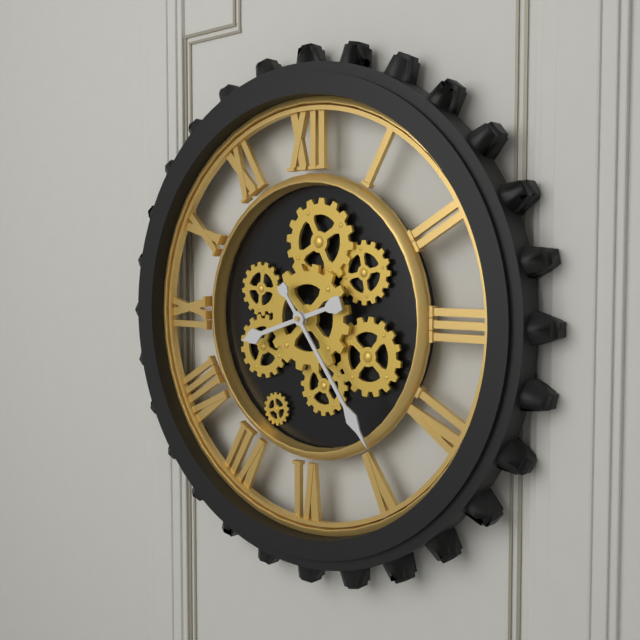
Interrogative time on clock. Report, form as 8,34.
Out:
8,24
